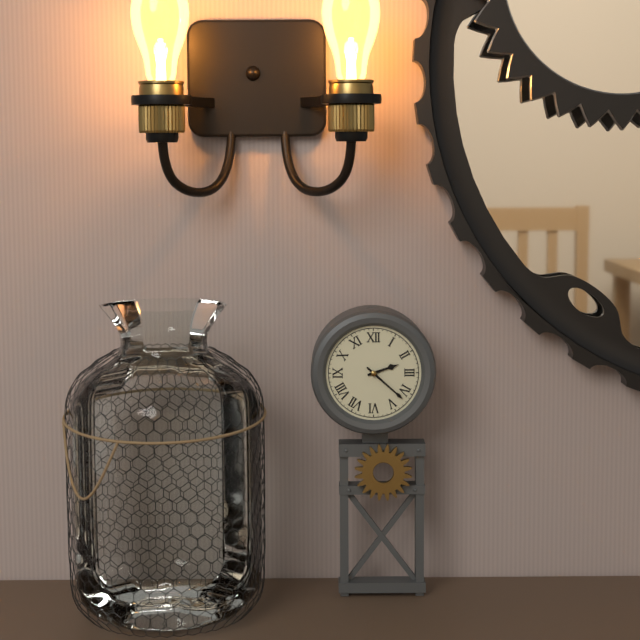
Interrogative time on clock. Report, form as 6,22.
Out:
2,22
